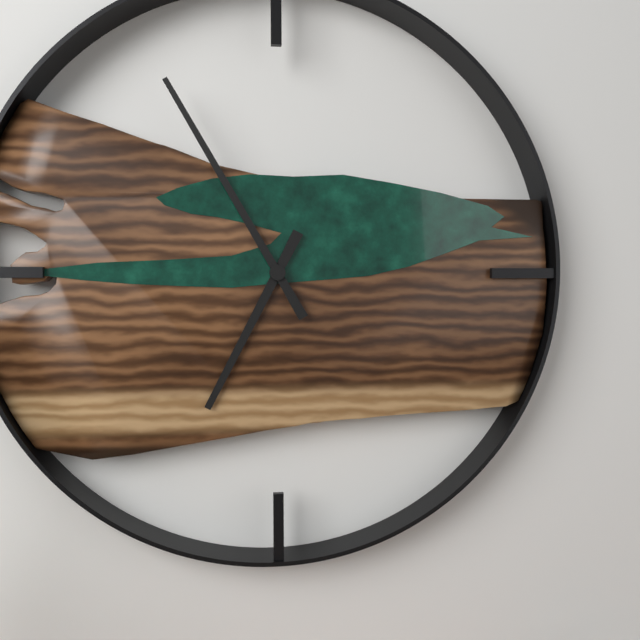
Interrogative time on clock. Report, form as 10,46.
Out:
6,55
